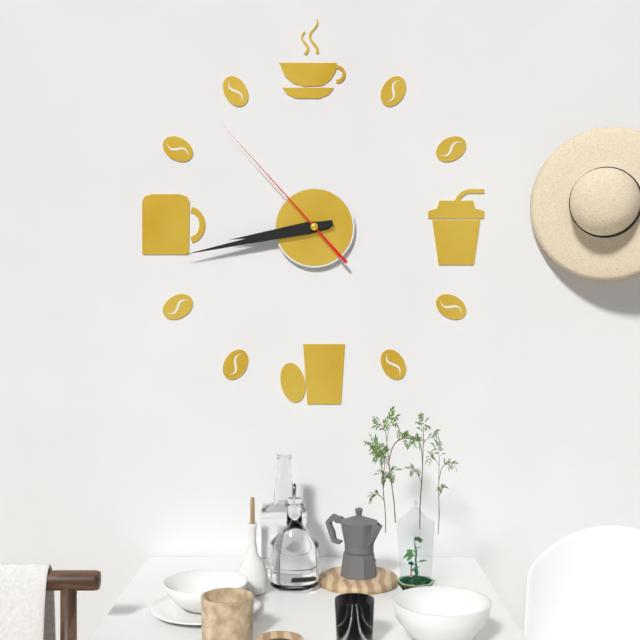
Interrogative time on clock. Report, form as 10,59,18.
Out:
8,43,53
